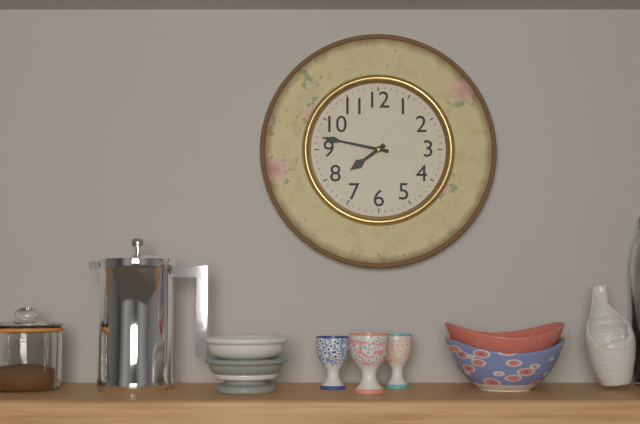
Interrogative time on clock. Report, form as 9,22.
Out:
7,47
